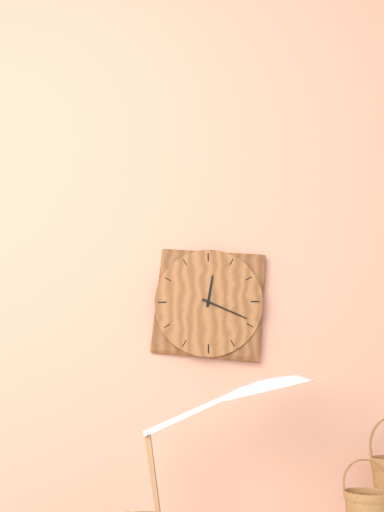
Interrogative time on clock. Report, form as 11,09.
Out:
12,19
